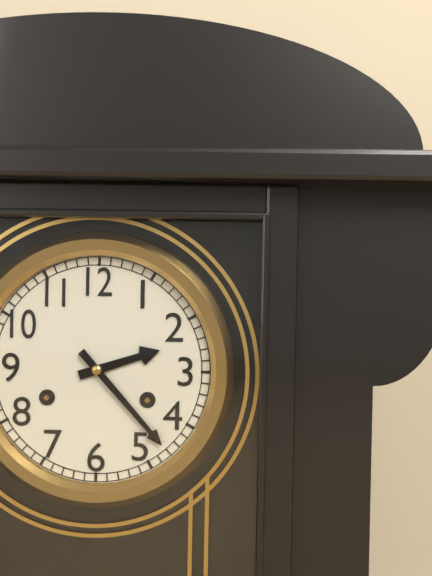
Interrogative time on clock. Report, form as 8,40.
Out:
2,23
